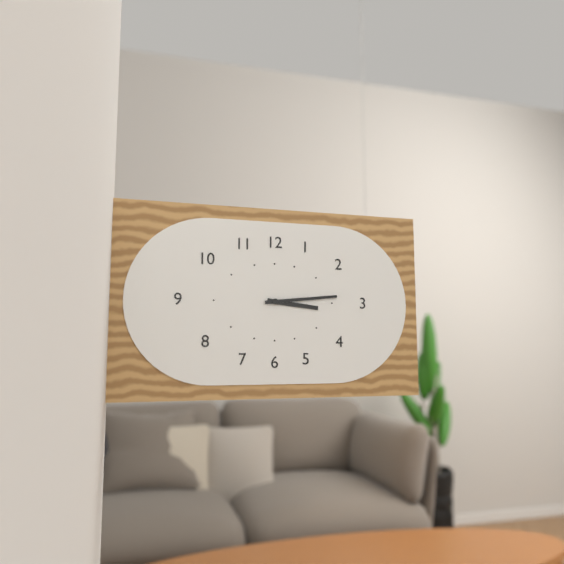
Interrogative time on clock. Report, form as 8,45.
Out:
3,14
